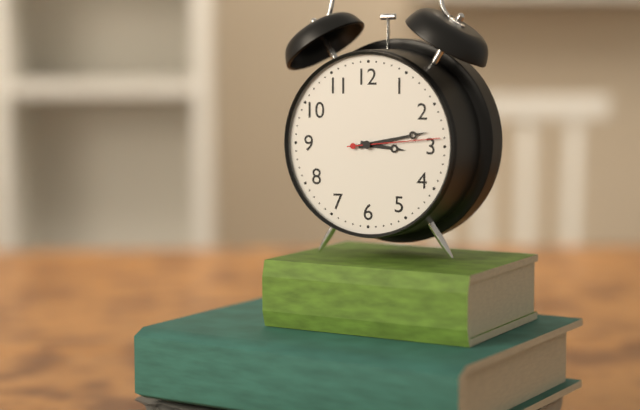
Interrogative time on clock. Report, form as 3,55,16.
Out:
3,13,14
